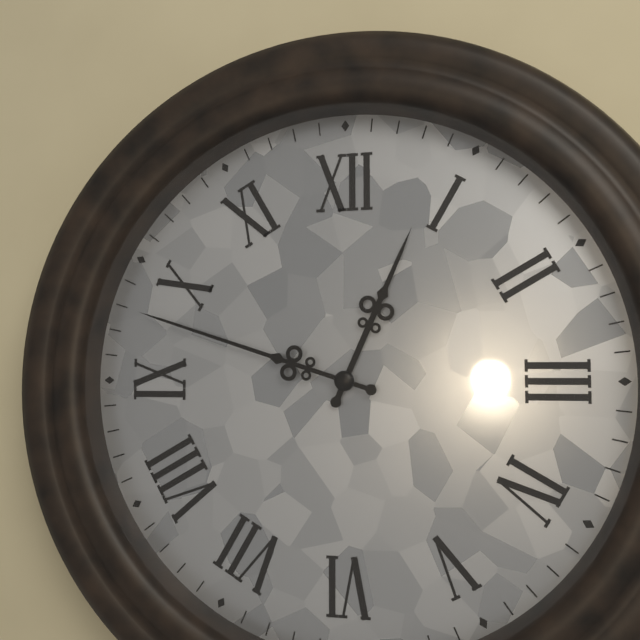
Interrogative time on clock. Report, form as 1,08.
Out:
12,48
